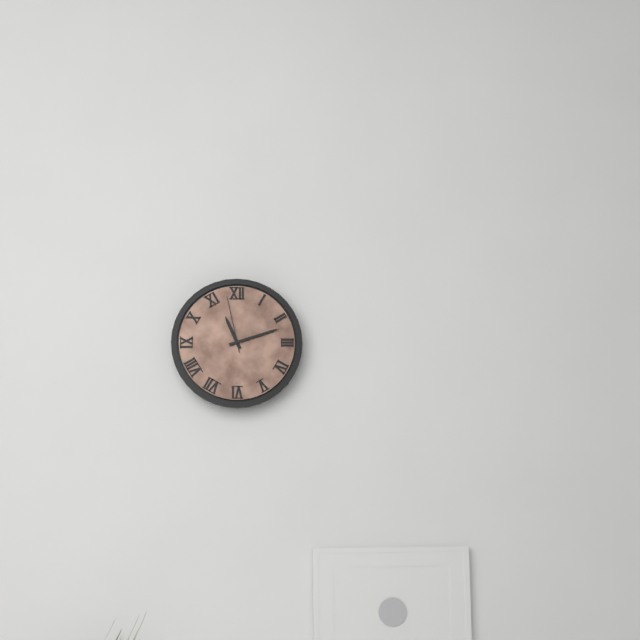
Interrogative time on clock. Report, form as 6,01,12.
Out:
11,12,58
